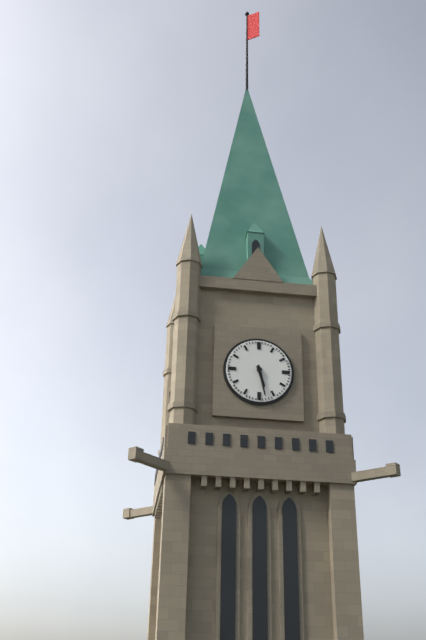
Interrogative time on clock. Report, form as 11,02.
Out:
5,28
